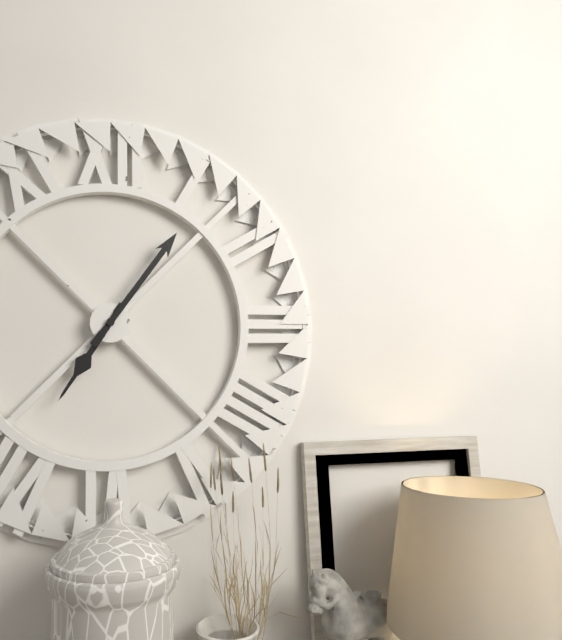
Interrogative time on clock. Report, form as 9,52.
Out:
7,06
